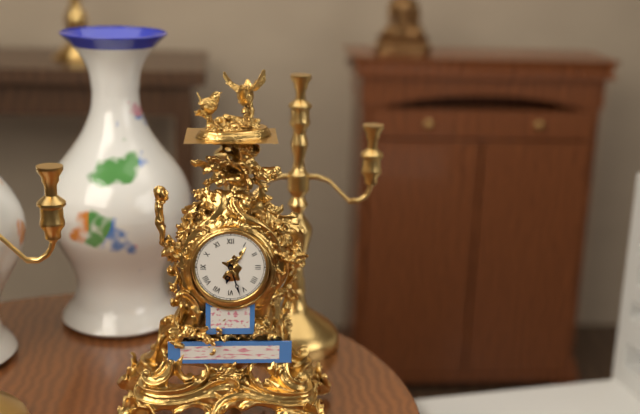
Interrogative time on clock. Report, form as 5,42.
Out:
6,27
